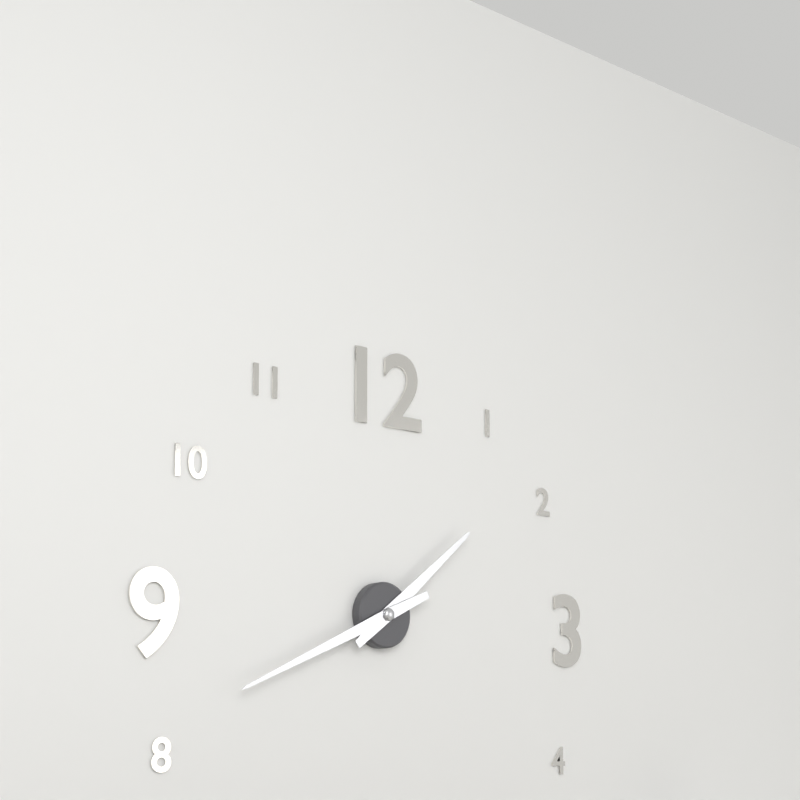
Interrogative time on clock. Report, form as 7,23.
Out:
1,41
